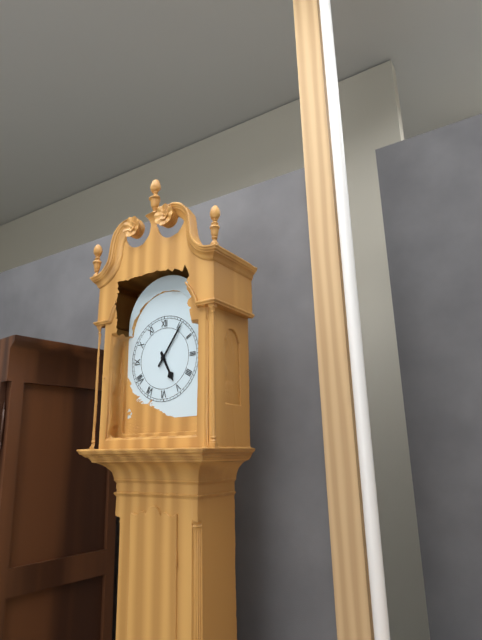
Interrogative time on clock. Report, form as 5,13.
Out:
5,06
